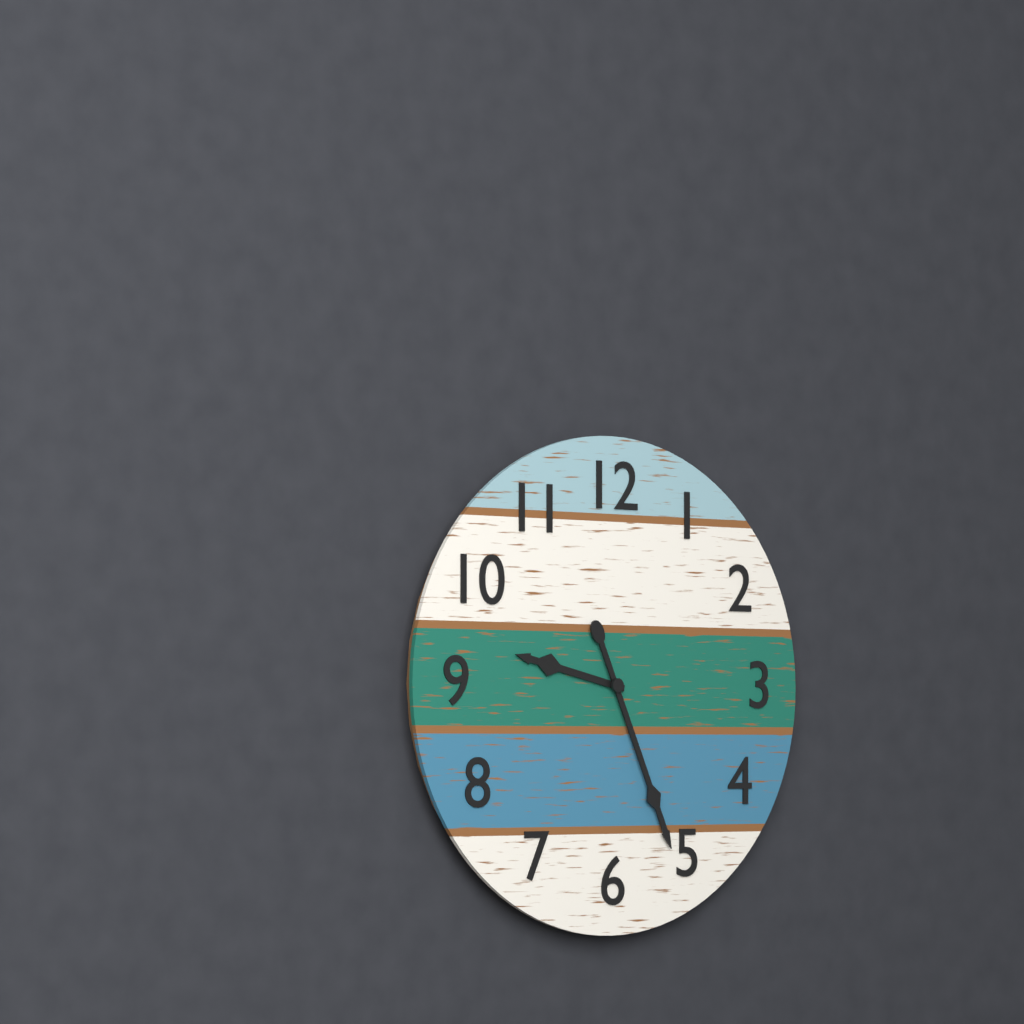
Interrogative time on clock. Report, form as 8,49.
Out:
9,26
